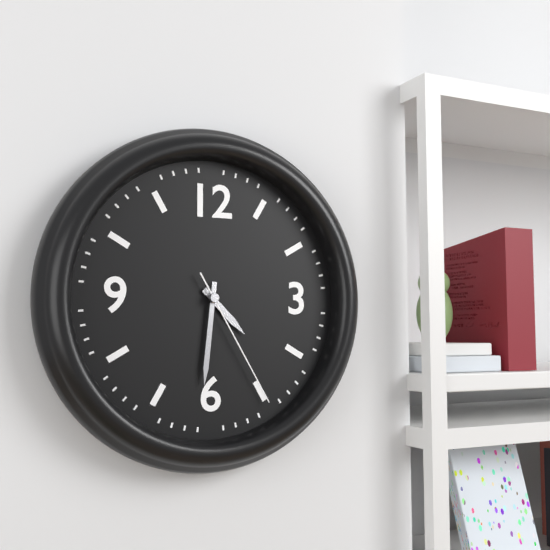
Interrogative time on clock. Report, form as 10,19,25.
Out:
4,31,25
